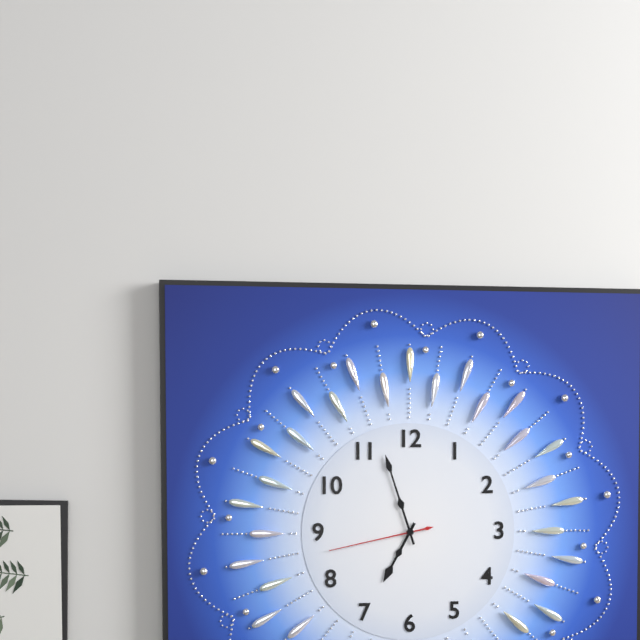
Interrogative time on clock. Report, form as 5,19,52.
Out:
6,57,43
